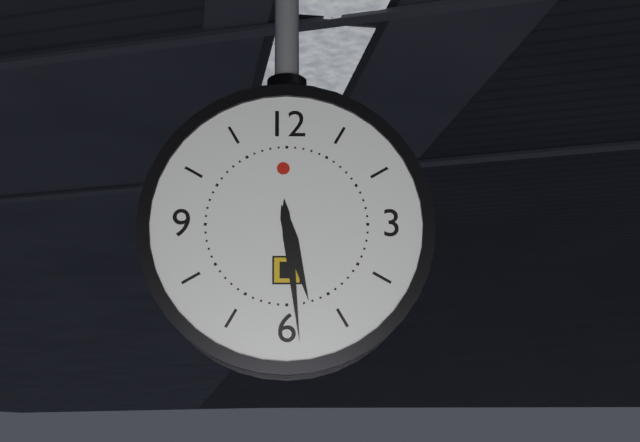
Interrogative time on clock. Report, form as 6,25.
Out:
5,29
